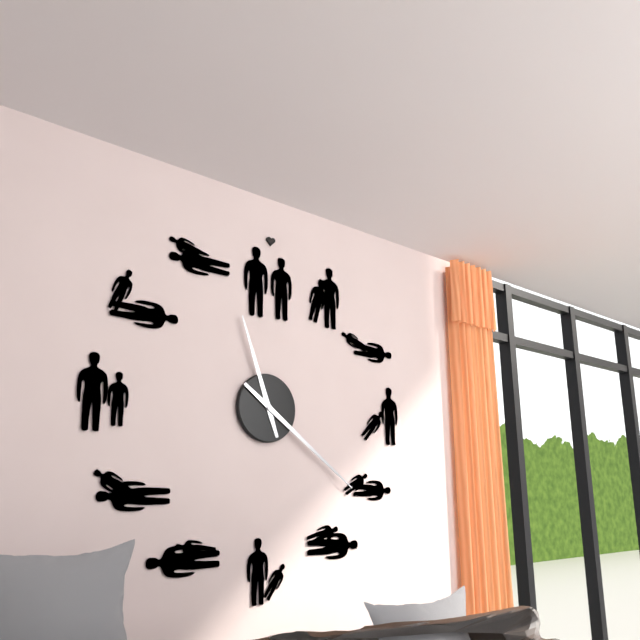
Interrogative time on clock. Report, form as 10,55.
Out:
11,21
